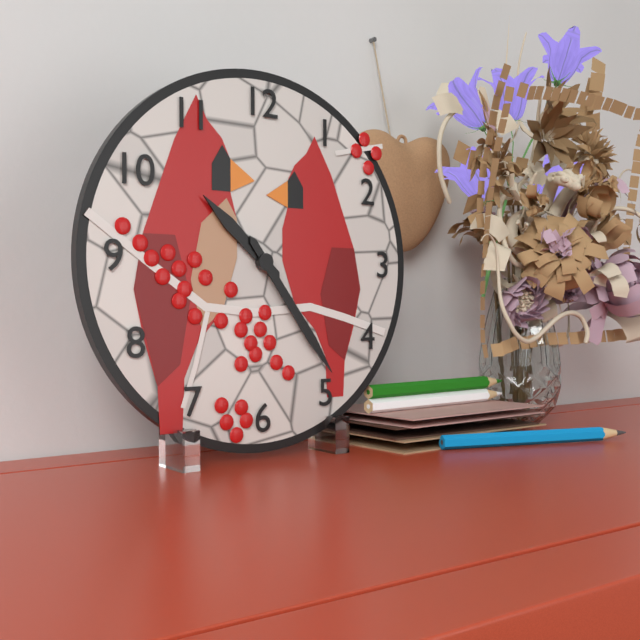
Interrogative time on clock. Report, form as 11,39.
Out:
10,24
